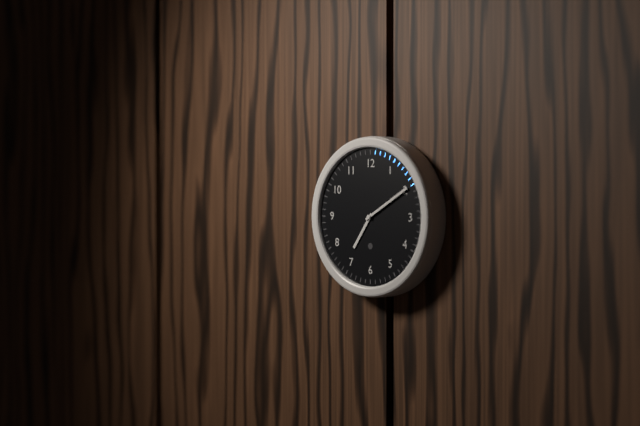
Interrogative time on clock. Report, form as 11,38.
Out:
7,10
